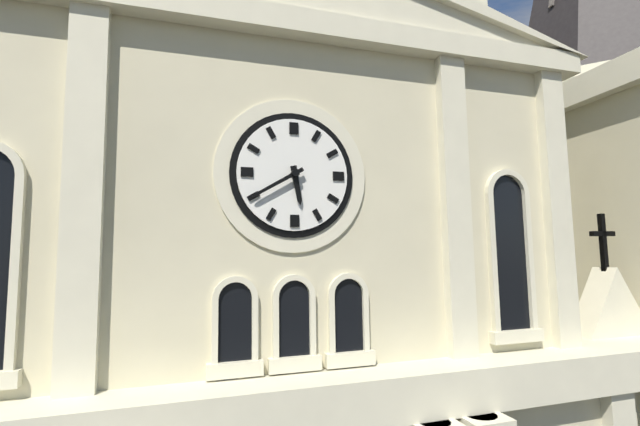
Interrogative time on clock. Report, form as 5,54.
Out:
5,40
